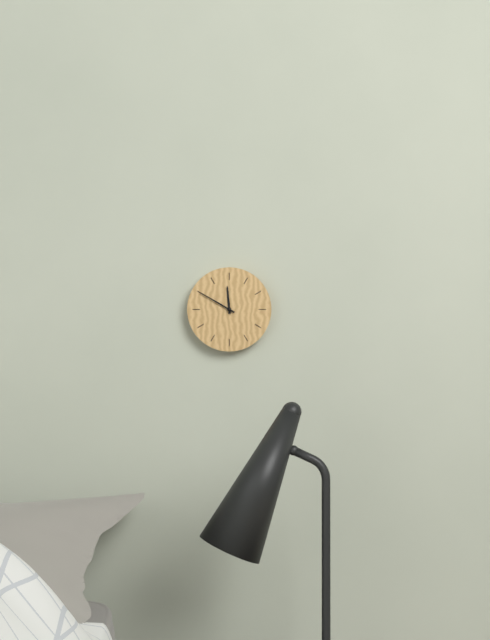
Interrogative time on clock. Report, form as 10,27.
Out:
11,50
